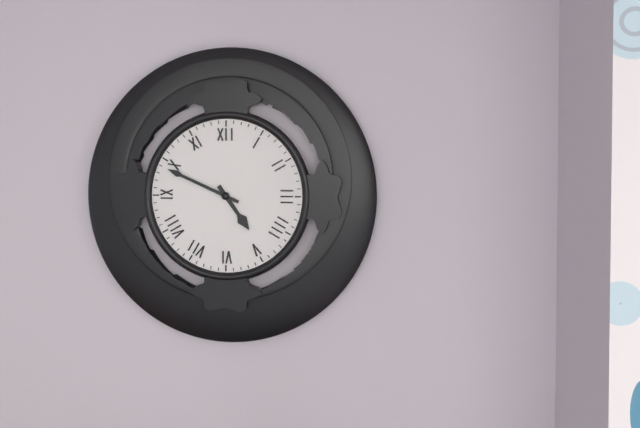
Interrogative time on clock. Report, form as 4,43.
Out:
4,49
